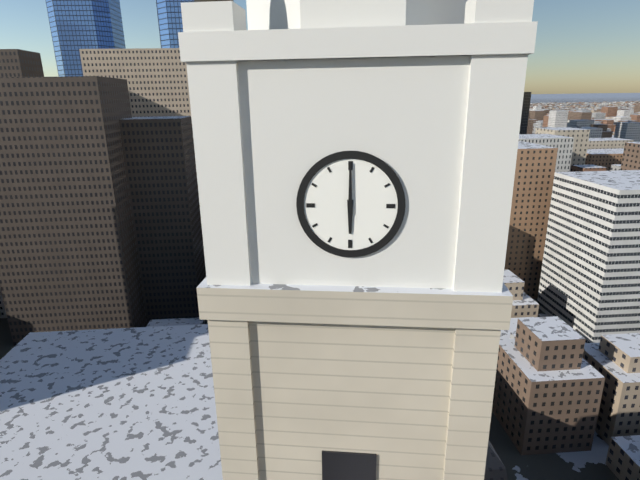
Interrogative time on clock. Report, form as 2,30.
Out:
6,00
